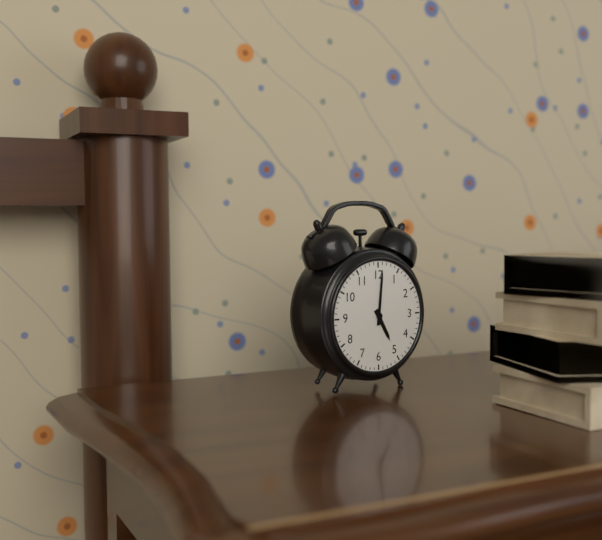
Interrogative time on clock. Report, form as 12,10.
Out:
5,01
